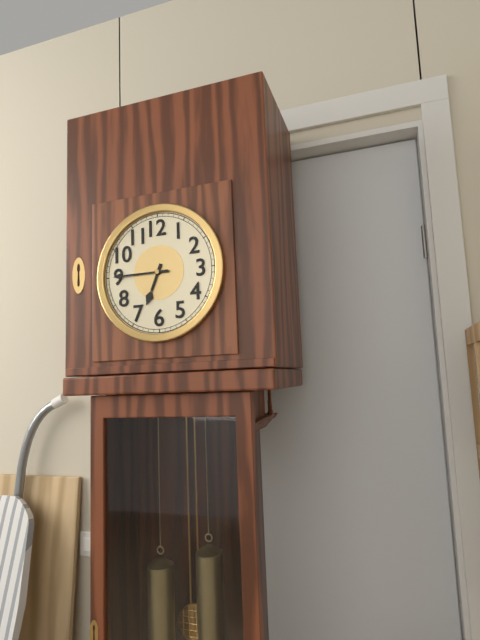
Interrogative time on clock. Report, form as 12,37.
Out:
6,45
